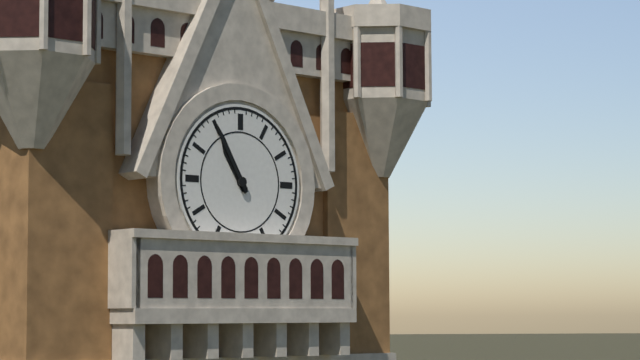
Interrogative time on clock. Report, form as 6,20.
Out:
10,55
